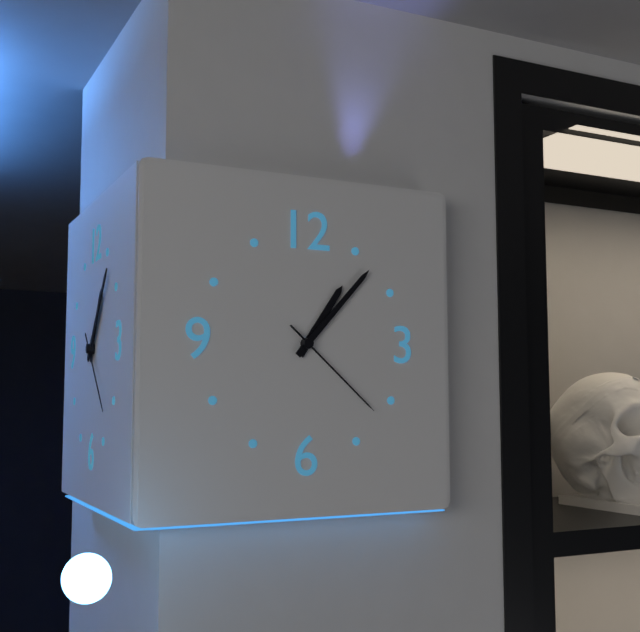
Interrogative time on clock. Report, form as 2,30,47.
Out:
1,07,22
